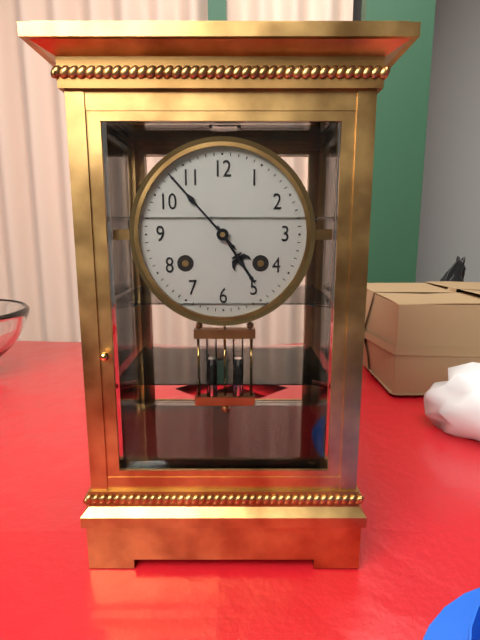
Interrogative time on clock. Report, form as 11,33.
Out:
4,53
